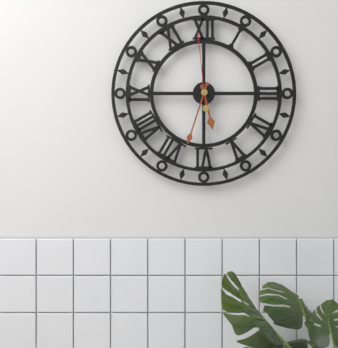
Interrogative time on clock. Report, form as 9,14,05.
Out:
5,33,59
